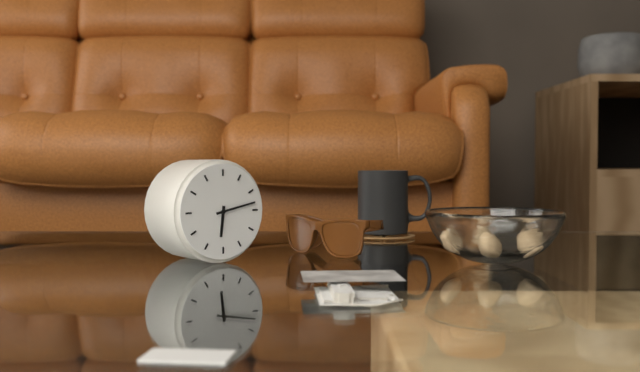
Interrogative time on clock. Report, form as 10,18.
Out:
6,13
